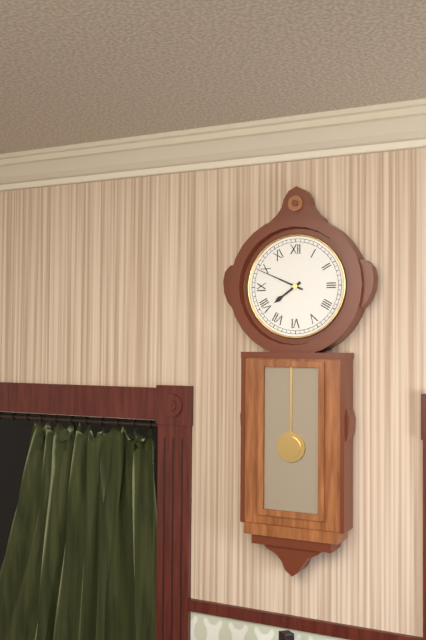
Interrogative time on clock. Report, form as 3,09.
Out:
7,49
